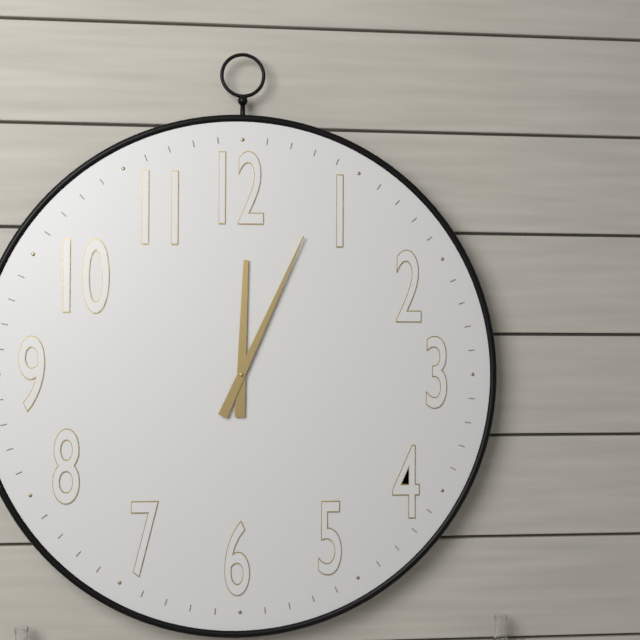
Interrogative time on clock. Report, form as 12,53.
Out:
12,04
